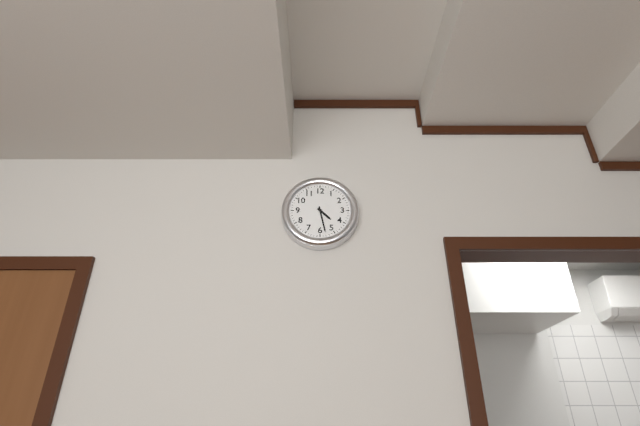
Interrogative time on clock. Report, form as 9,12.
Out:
4,28
